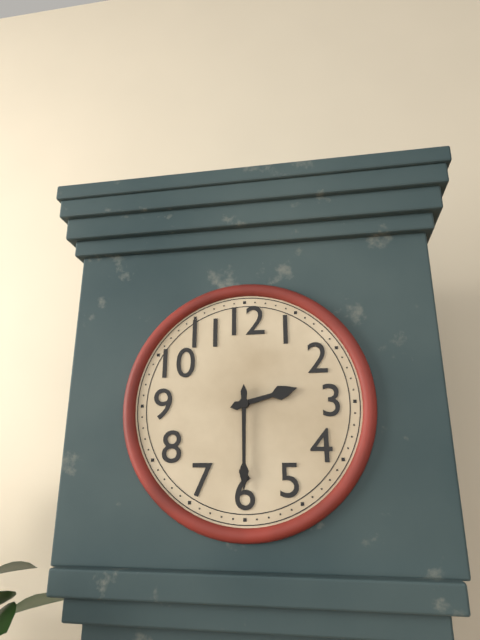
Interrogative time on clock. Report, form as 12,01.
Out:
2,30
